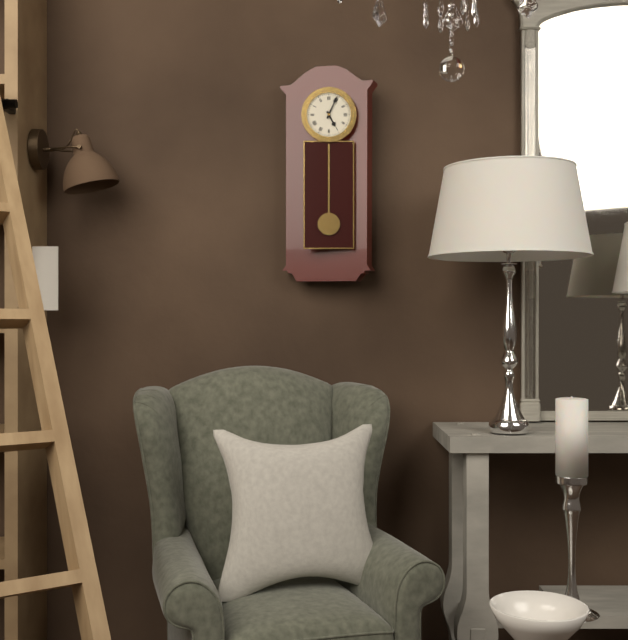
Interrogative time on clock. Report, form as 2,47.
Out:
5,04
